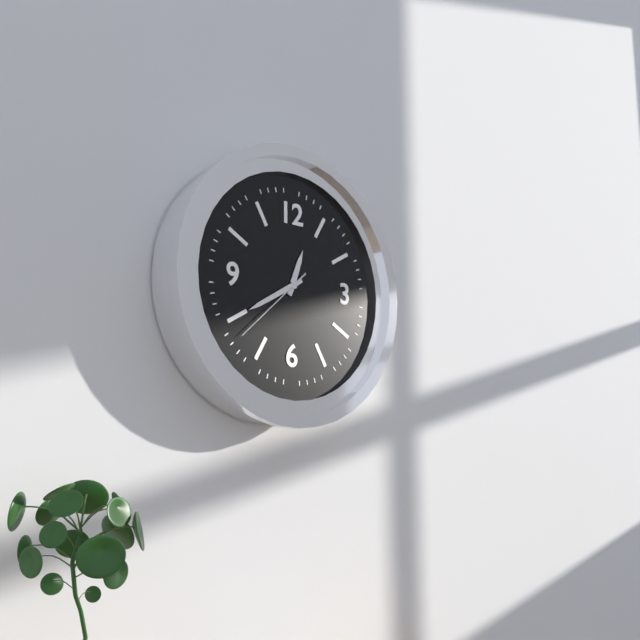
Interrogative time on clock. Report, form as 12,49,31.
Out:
12,40,38
